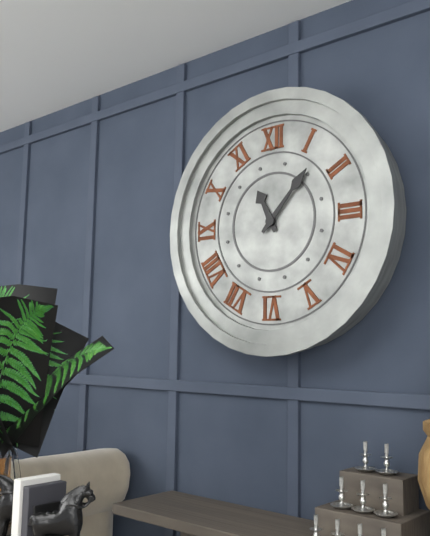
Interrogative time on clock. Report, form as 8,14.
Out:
11,07
